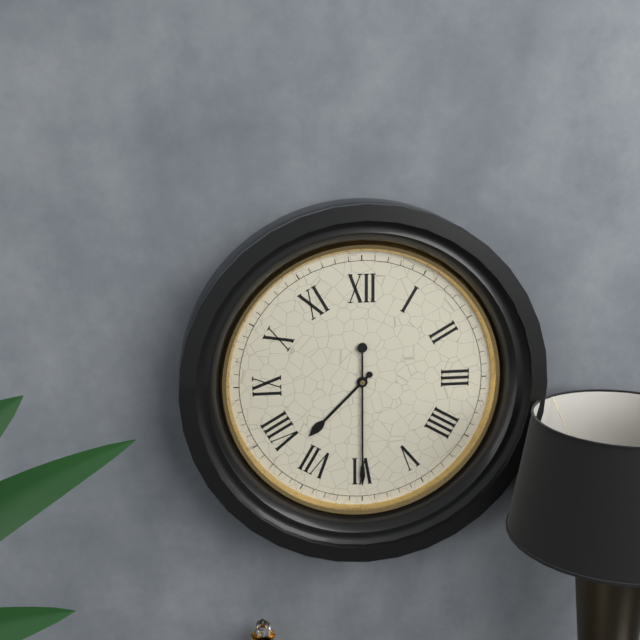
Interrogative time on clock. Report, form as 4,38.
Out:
7,30
